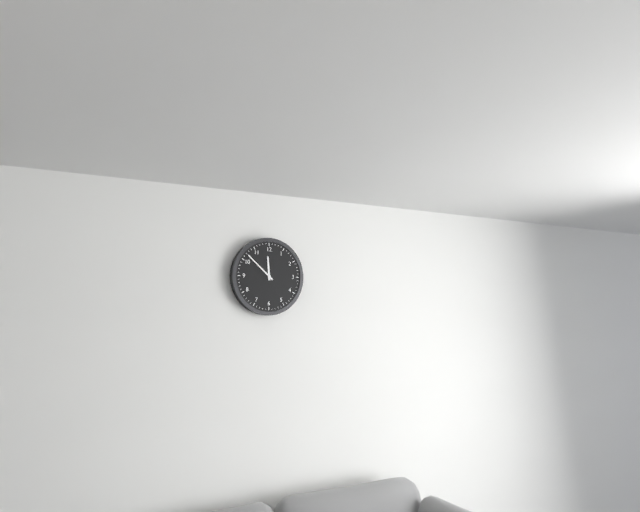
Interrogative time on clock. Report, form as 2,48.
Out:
11,52
